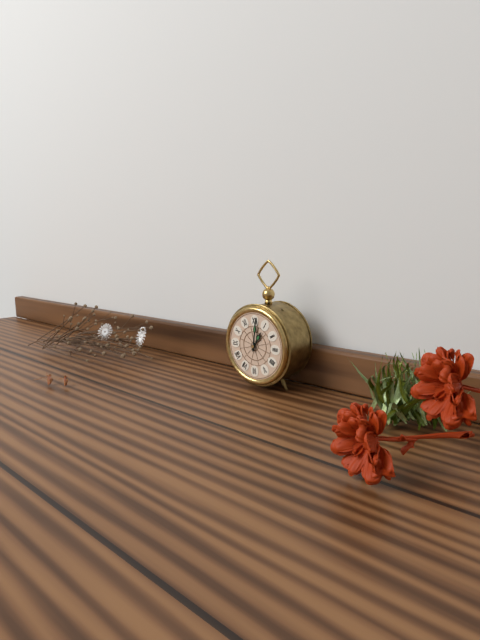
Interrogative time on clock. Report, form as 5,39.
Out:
1,01
